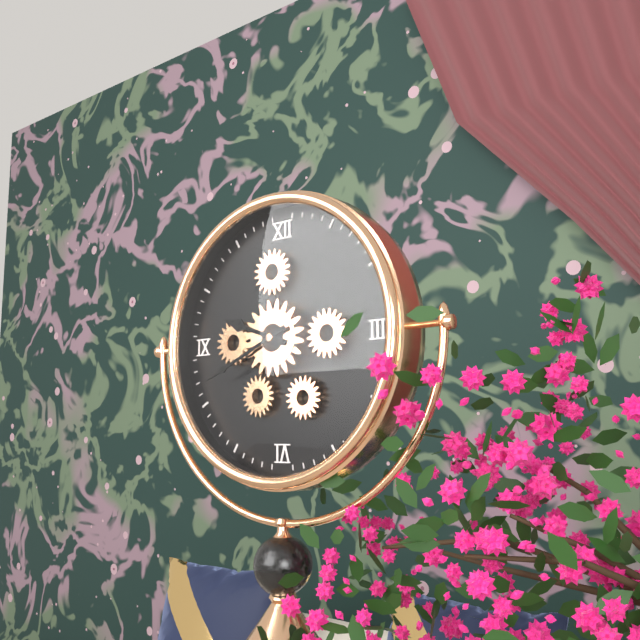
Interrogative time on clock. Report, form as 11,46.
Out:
9,41
